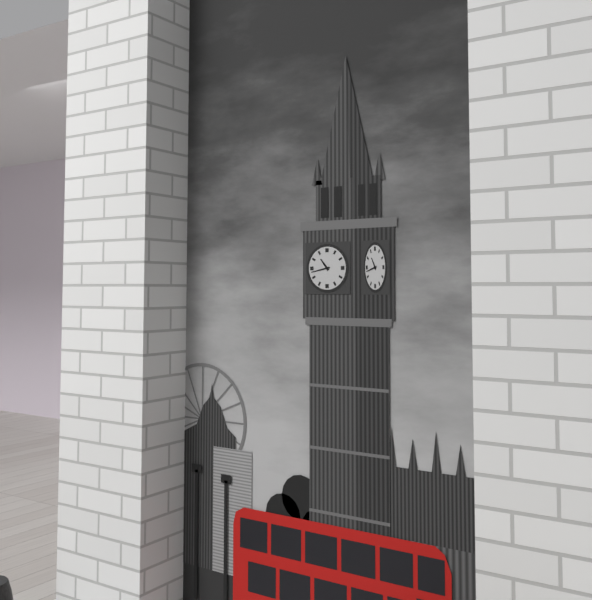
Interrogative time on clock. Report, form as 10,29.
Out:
10,43
